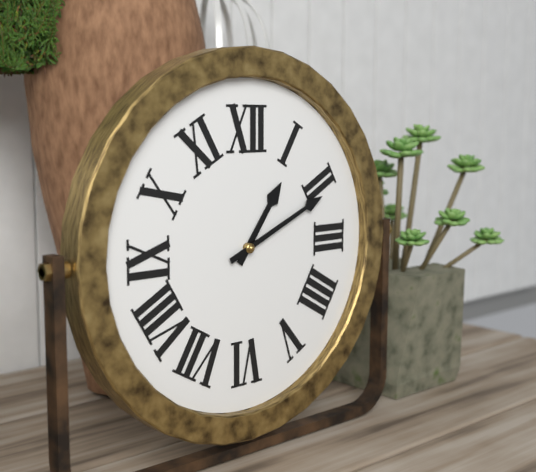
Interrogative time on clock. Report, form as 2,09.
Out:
1,11
